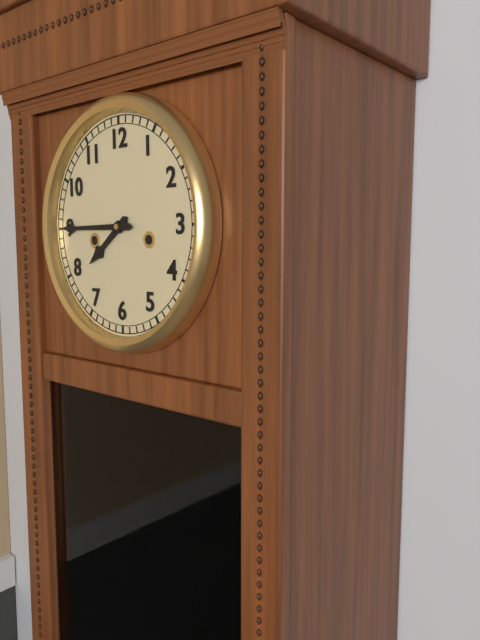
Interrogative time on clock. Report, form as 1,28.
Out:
7,45
